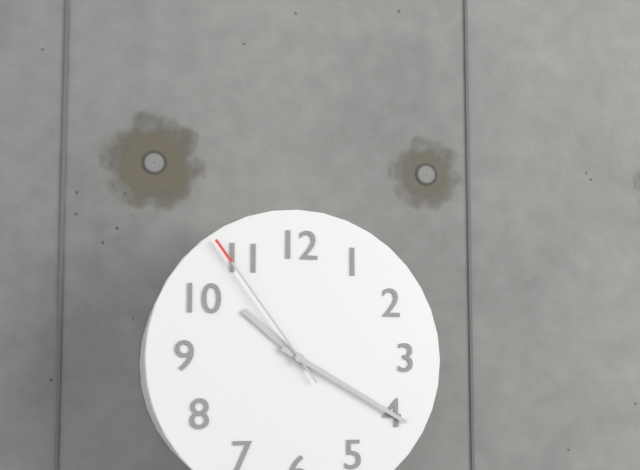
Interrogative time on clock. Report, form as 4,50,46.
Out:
10,20,54
